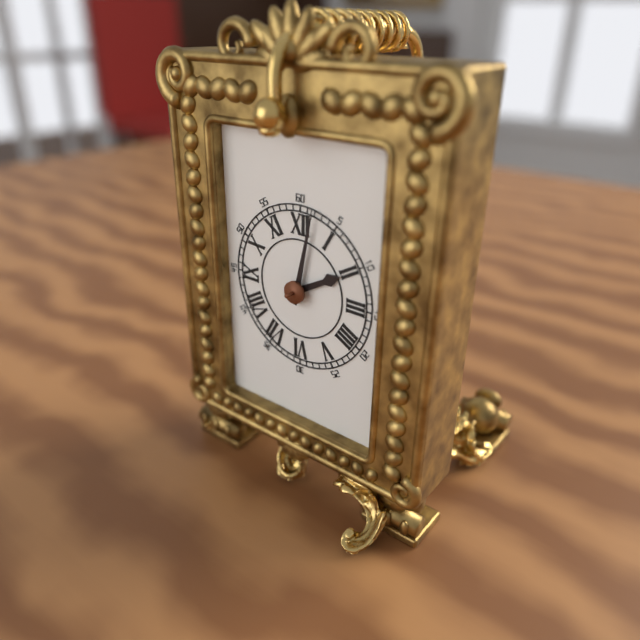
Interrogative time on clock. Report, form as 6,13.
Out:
2,02
